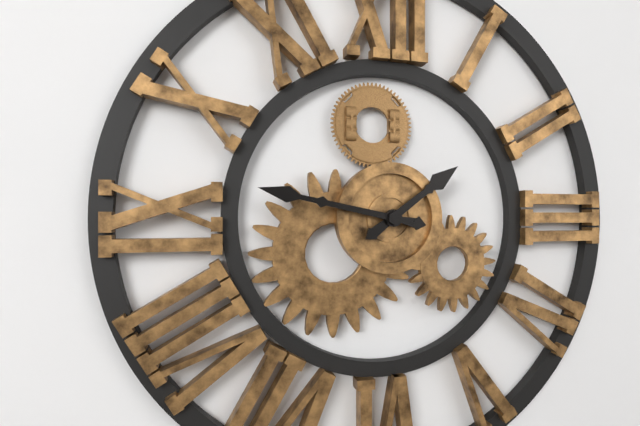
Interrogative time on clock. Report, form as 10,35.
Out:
1,47
